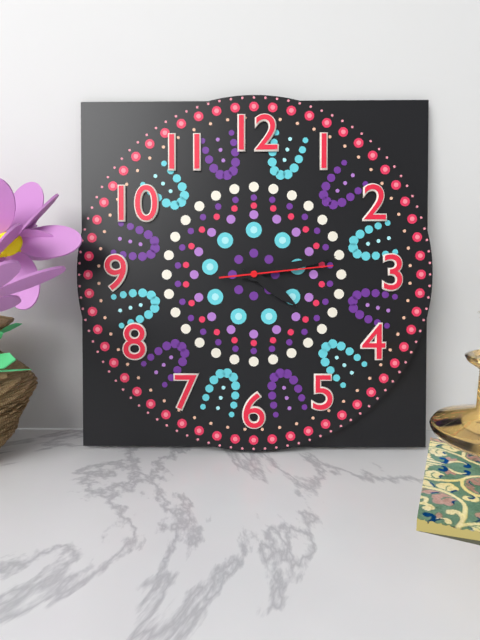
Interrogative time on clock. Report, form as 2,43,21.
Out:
4,13,14
